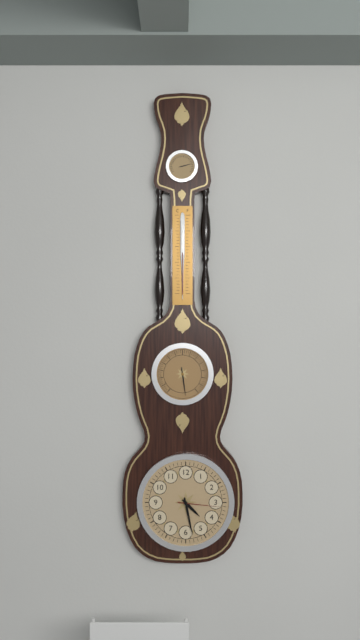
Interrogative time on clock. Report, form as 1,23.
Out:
4,28
